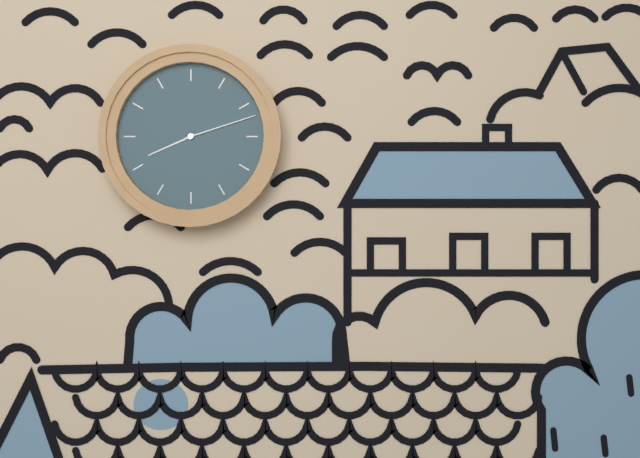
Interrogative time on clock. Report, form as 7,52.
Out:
8,12
